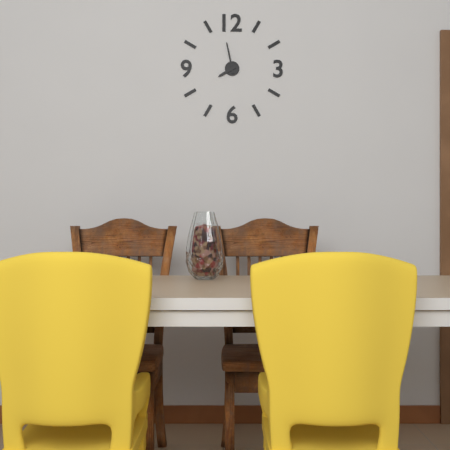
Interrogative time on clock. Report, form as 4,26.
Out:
7,58
